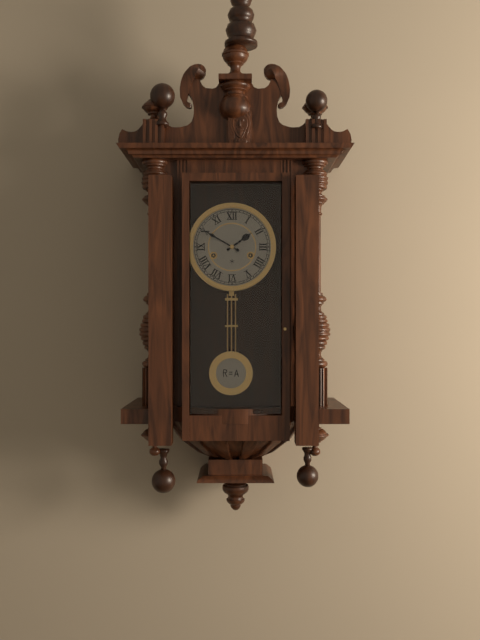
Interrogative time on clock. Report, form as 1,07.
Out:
1,50
